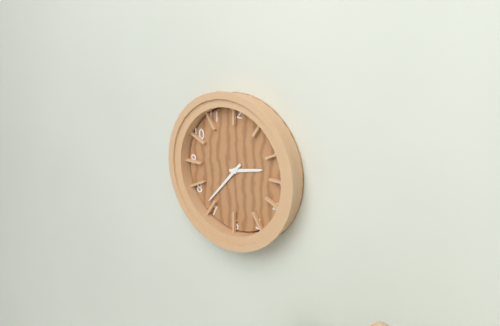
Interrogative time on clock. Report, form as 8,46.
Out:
2,37
